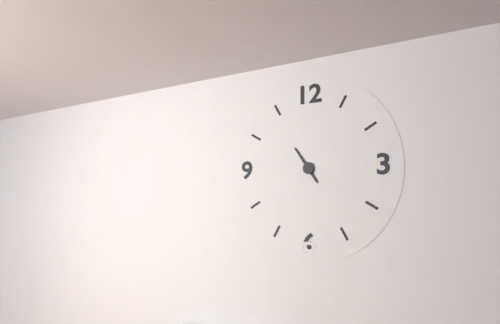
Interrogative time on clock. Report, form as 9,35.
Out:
4,54
